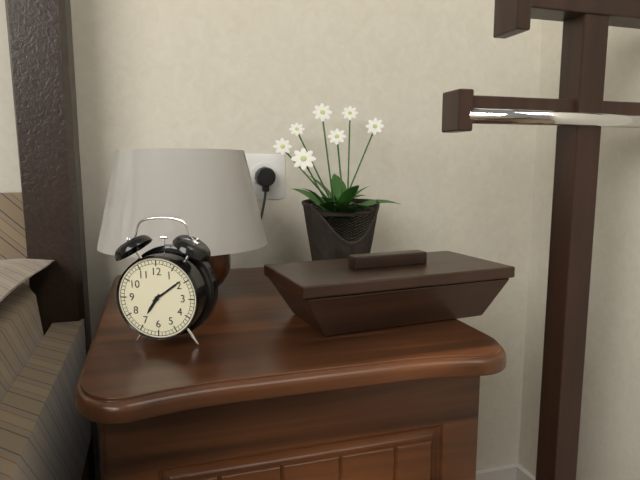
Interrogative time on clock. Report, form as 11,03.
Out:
7,09
